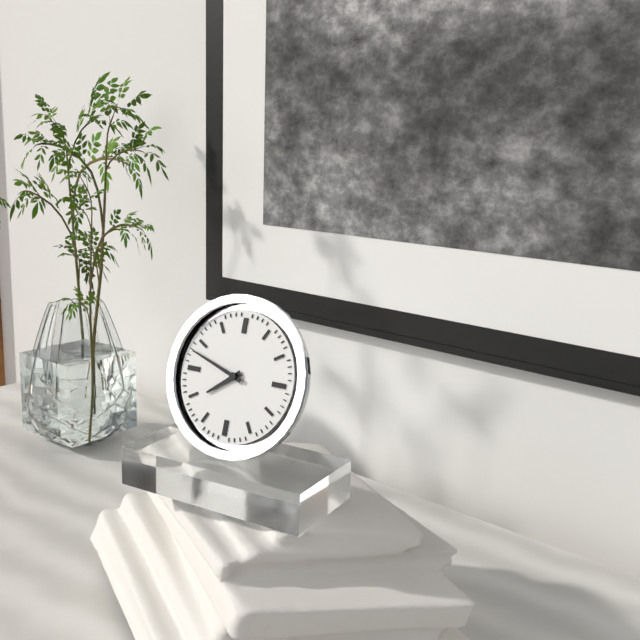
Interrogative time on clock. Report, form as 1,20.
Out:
7,48
